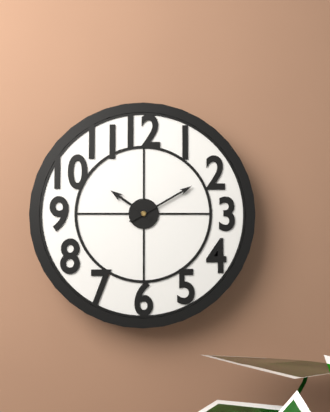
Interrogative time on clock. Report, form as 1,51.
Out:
10,10
